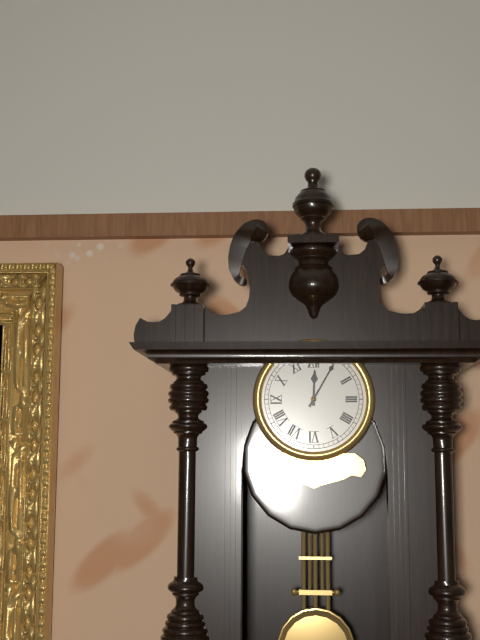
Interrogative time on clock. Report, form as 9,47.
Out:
12,05
